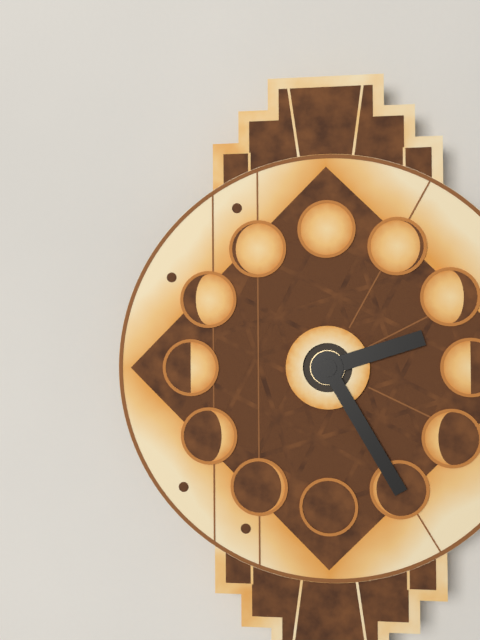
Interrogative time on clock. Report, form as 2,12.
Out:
2,25
